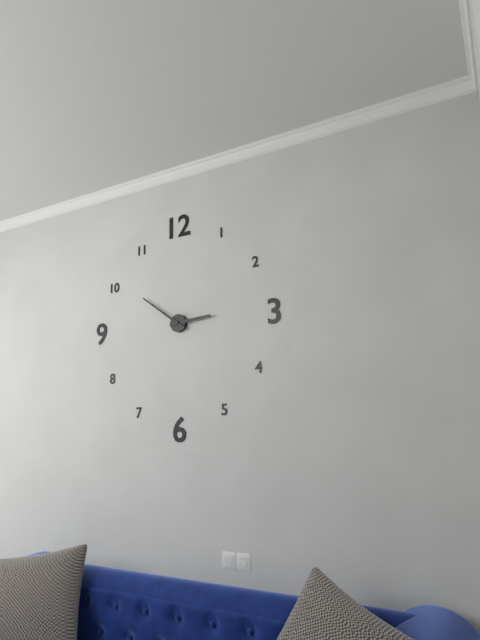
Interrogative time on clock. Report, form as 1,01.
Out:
2,51
